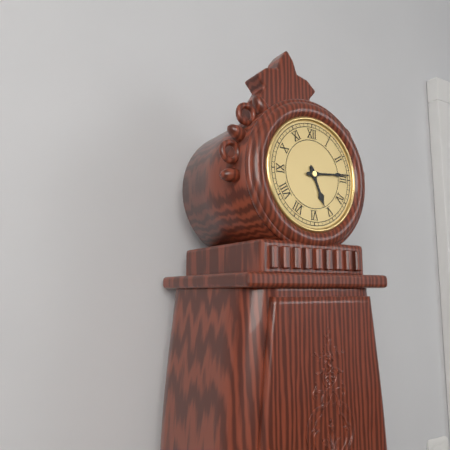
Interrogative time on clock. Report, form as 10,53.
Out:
5,14
